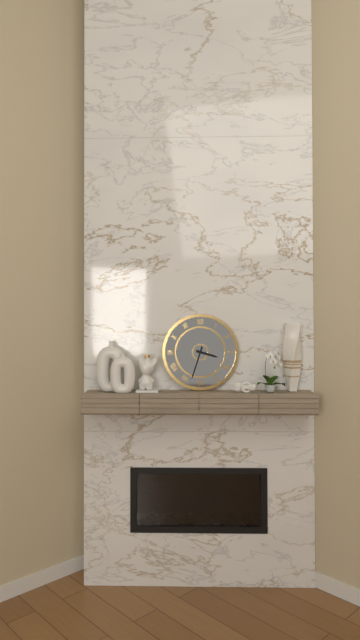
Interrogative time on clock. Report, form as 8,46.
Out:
3,33
